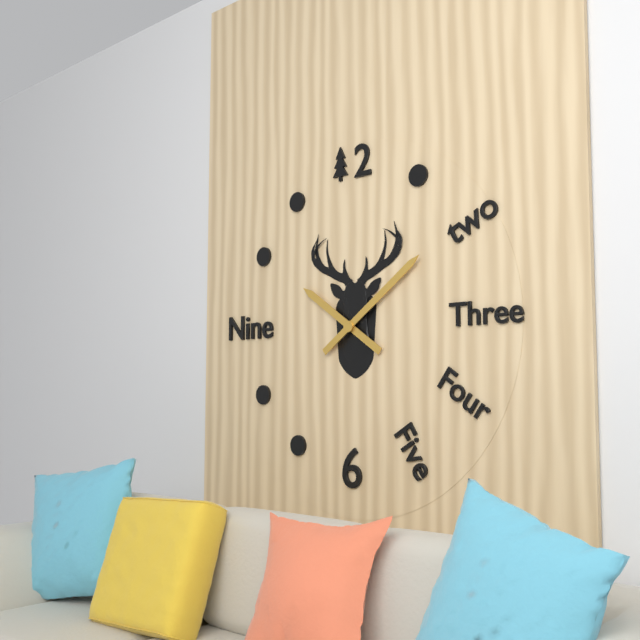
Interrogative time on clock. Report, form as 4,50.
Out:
10,09
